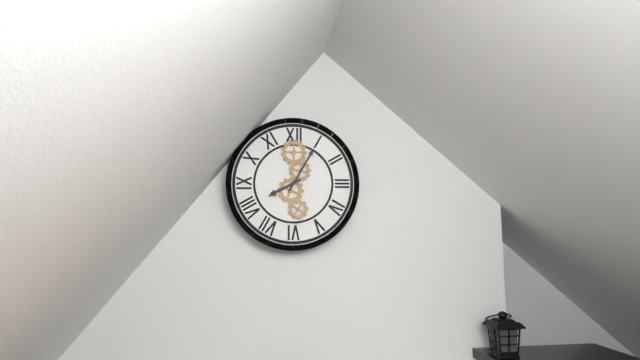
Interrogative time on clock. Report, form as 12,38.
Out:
8,05
